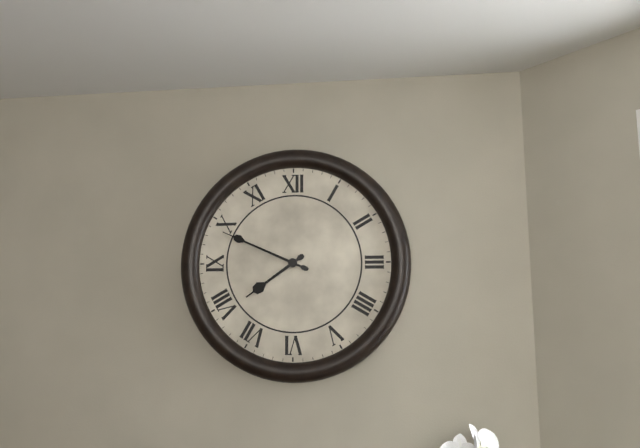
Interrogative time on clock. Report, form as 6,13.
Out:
7,49
